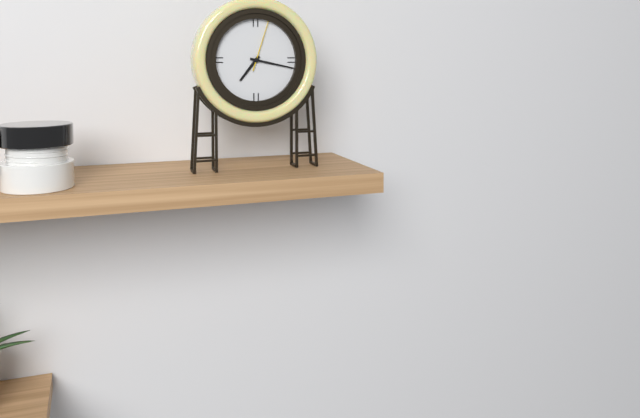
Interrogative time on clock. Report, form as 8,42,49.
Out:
7,17,03
